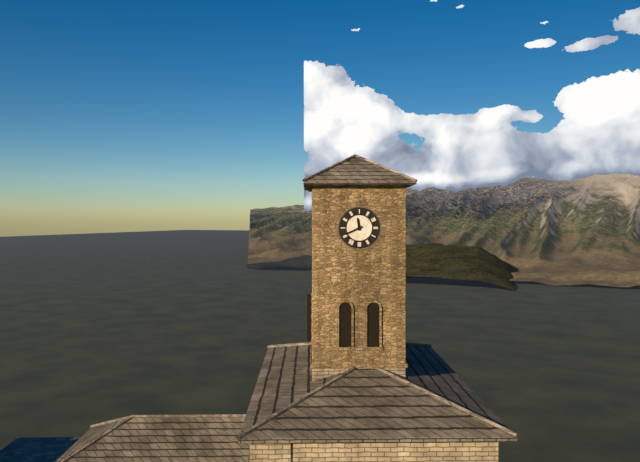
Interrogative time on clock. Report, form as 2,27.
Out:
11,41
